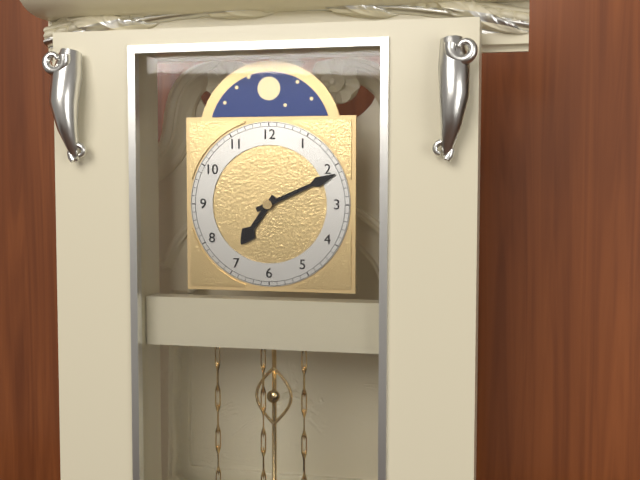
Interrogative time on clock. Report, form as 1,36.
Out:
7,11
